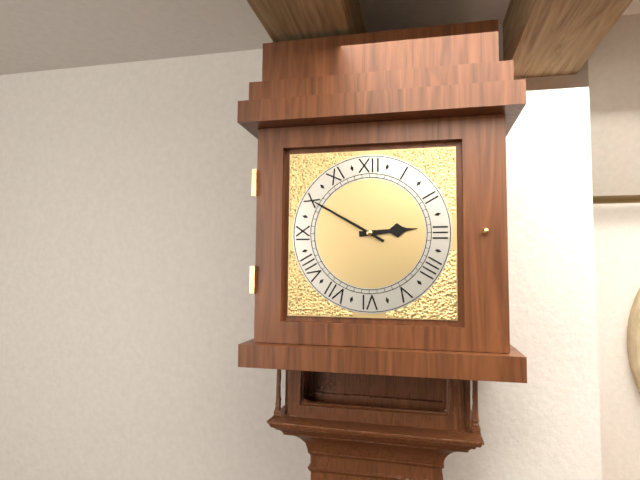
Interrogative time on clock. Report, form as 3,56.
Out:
2,50
